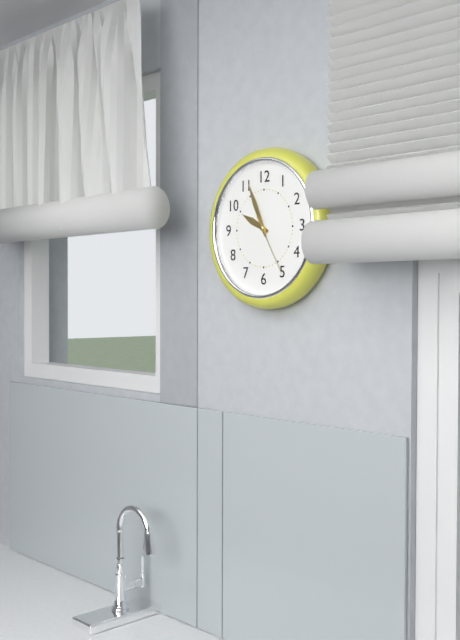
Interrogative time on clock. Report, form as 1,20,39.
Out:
9,56,25
